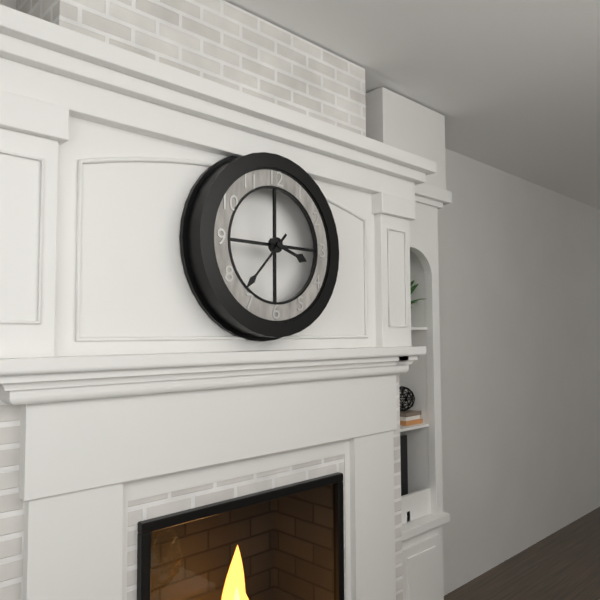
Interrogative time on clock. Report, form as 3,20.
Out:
3,37
